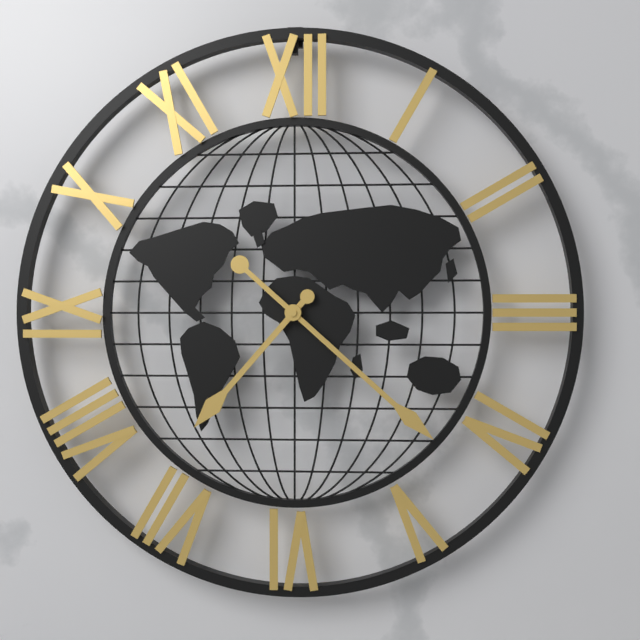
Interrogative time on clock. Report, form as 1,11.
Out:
7,22
